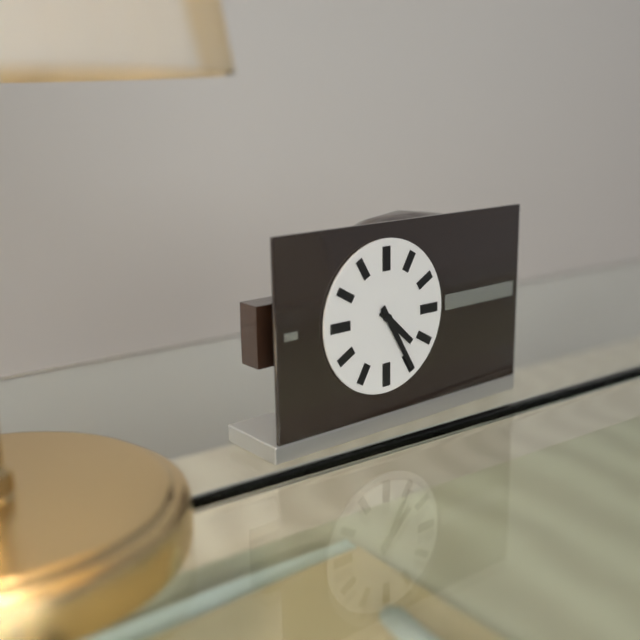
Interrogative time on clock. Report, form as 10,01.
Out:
4,25
